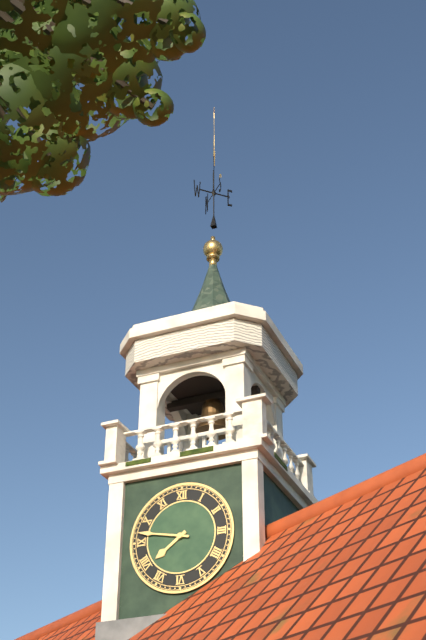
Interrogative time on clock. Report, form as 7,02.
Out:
7,47
